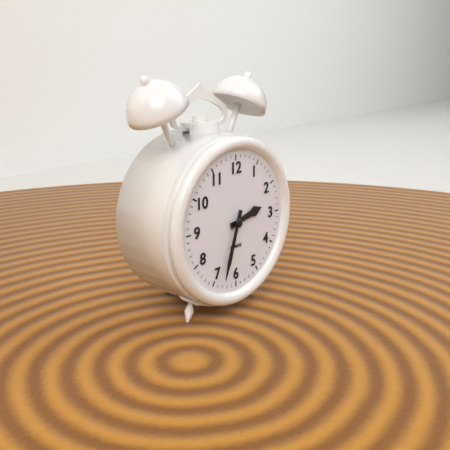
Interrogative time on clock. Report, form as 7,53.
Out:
2,33
